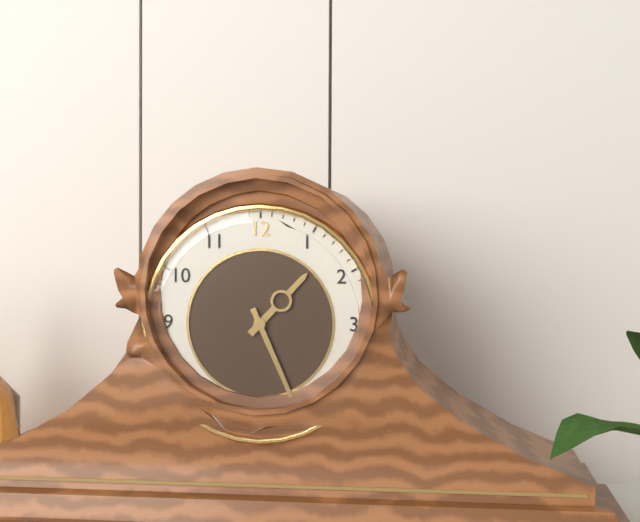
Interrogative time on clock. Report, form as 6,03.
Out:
1,26
